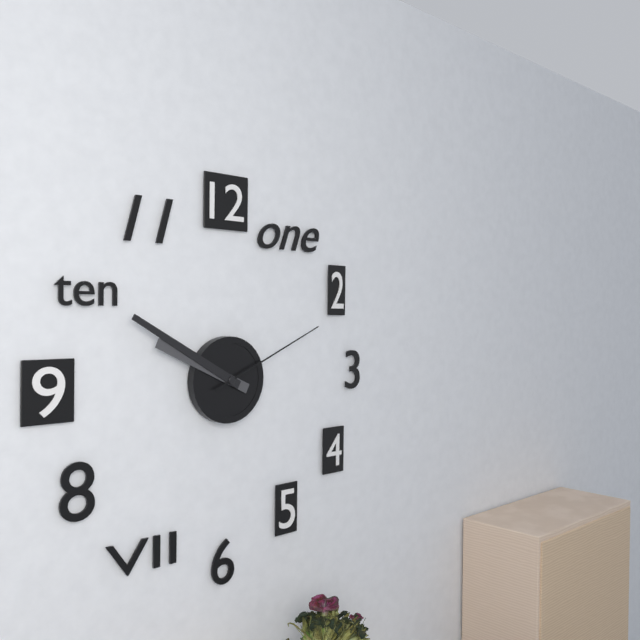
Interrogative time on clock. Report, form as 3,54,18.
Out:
9,50,11
